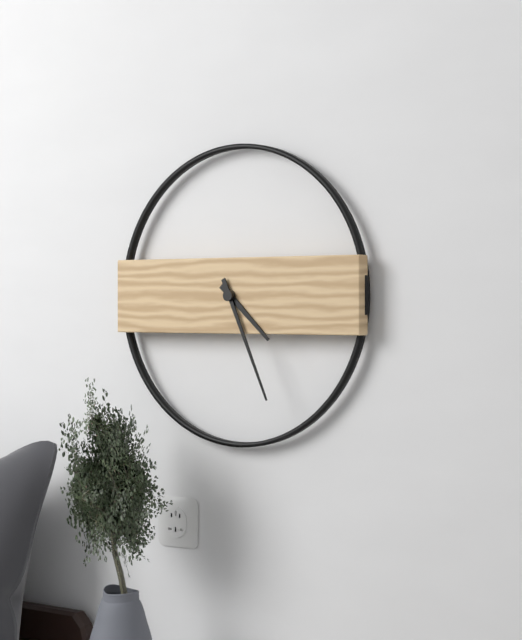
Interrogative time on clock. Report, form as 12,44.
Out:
4,26
